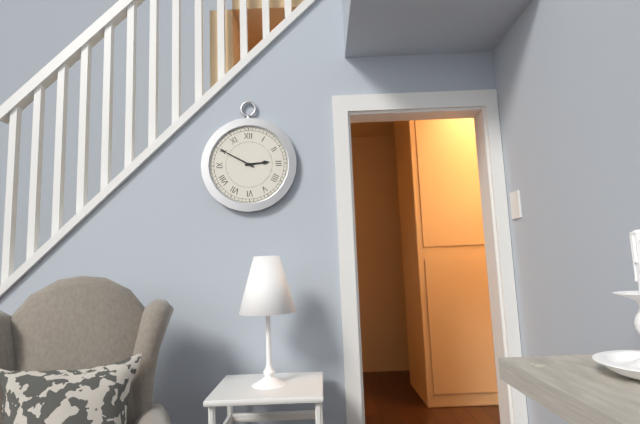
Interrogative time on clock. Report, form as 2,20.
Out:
2,50
